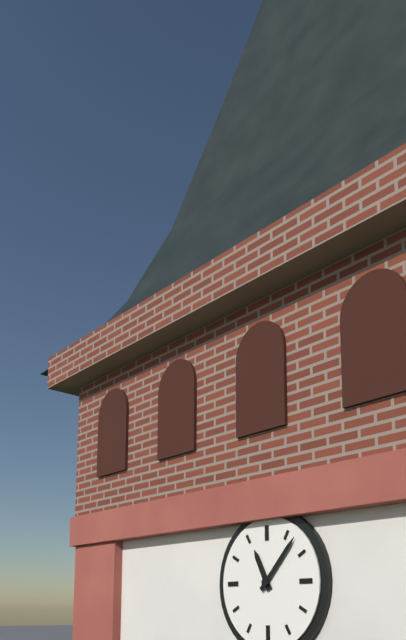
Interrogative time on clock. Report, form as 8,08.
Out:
11,07
